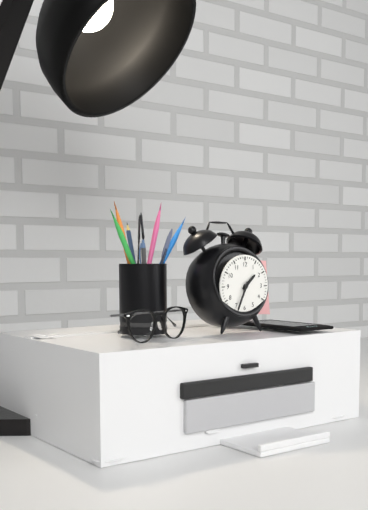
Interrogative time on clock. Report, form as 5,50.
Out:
1,34
